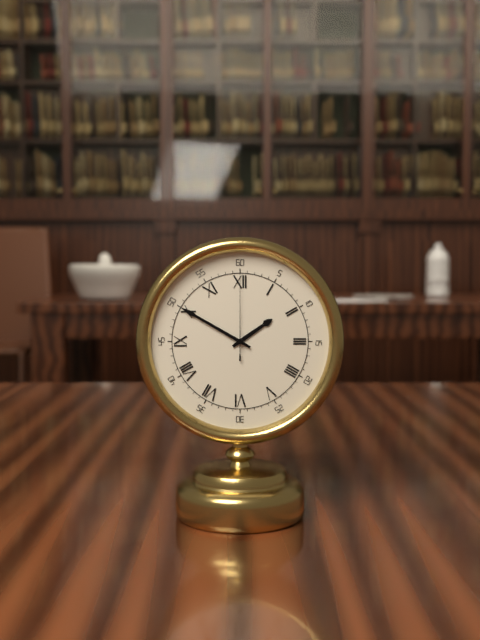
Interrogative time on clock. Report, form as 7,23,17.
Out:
1,50,00
